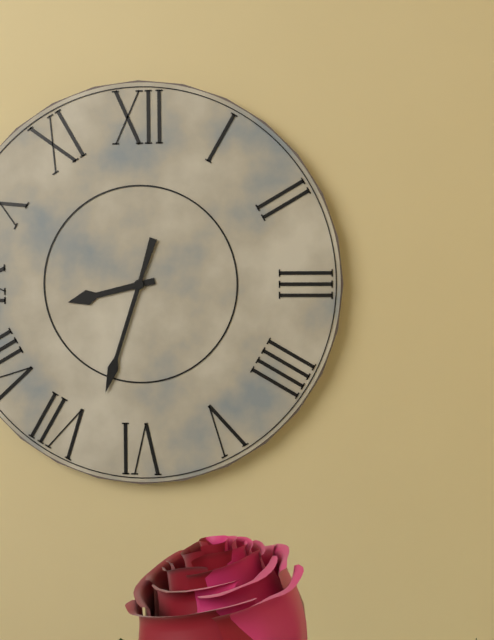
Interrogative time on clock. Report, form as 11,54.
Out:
8,33
